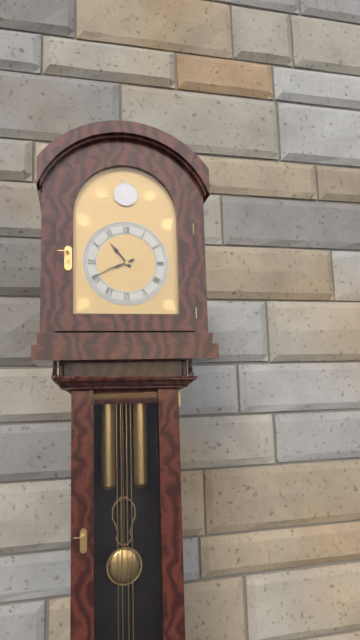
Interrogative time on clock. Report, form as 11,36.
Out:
10,41
